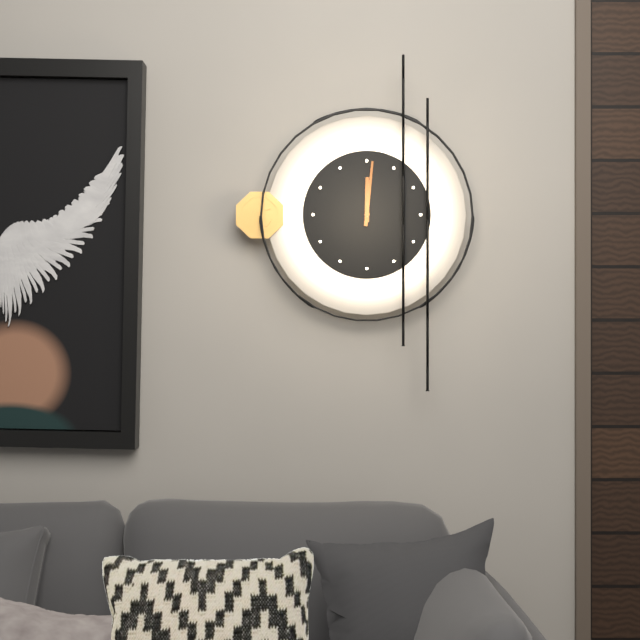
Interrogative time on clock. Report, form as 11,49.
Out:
12,01
